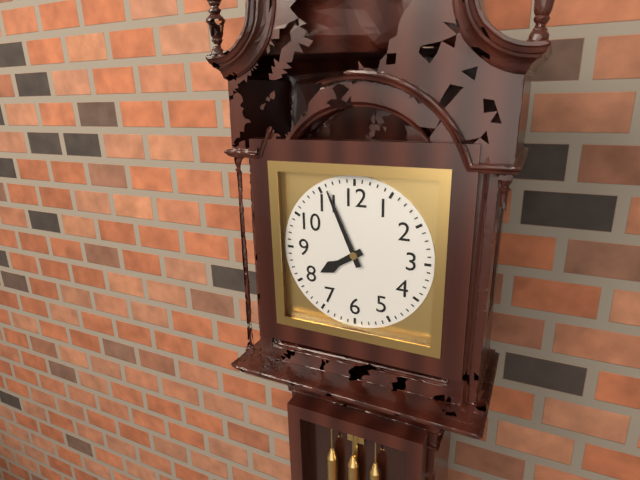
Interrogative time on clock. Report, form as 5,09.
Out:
7,56
